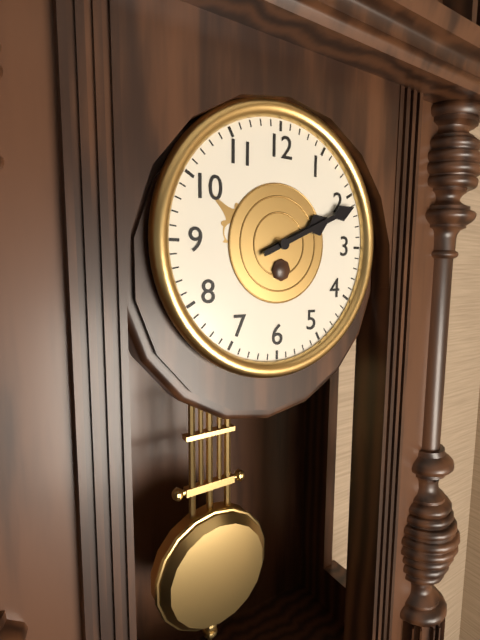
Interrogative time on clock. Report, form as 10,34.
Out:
2,11
